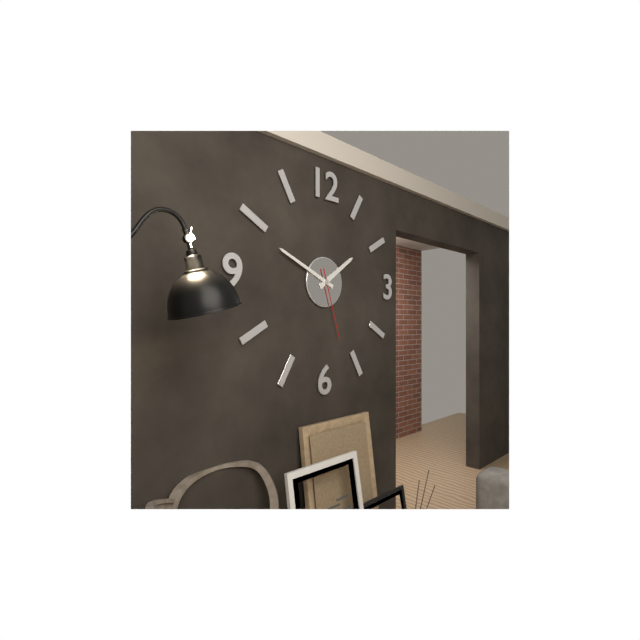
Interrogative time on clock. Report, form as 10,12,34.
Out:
1,49,27
